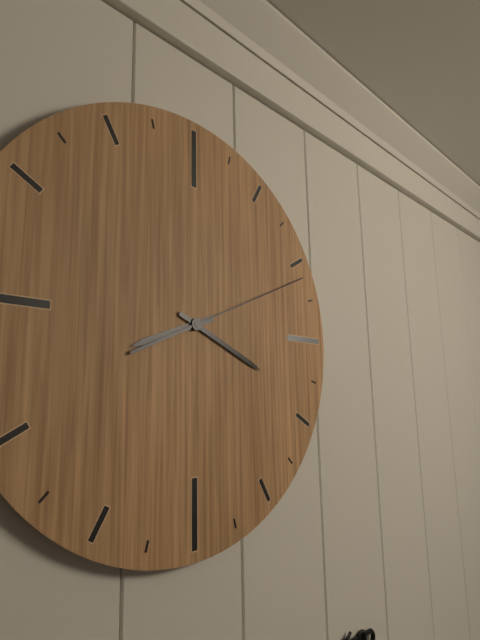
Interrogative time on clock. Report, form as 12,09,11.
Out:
8,19,11
